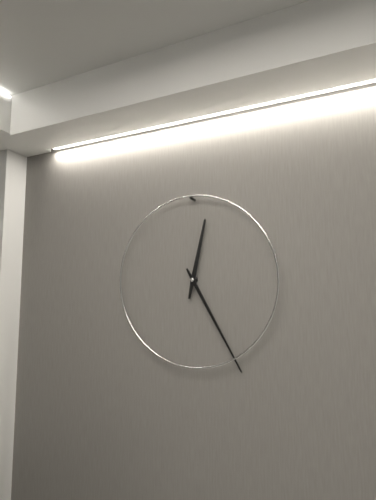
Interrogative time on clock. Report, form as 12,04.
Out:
12,25
